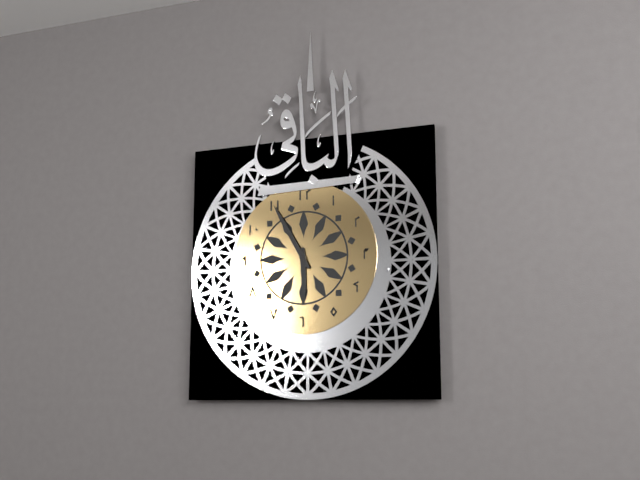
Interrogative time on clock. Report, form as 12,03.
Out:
5,55
